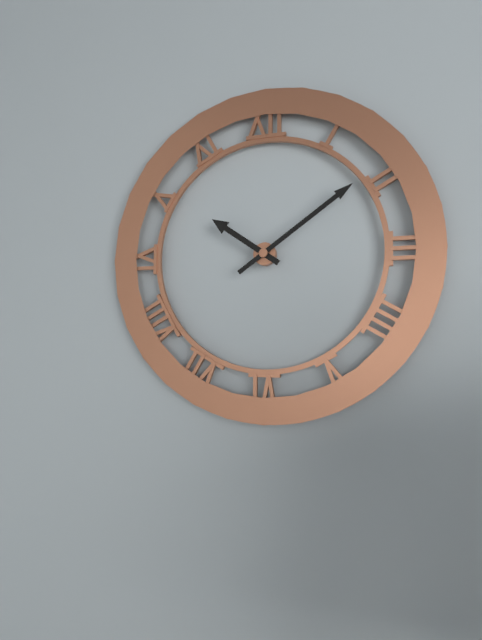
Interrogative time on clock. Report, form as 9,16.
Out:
10,09
